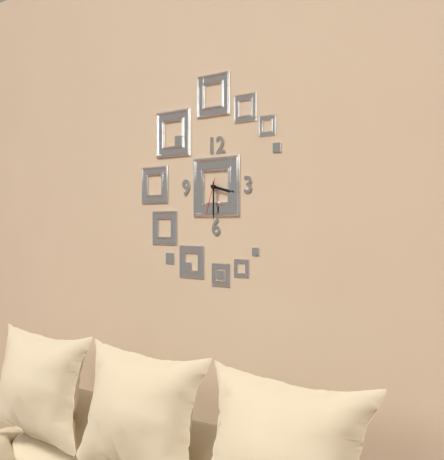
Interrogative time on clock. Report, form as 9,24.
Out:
3,30
